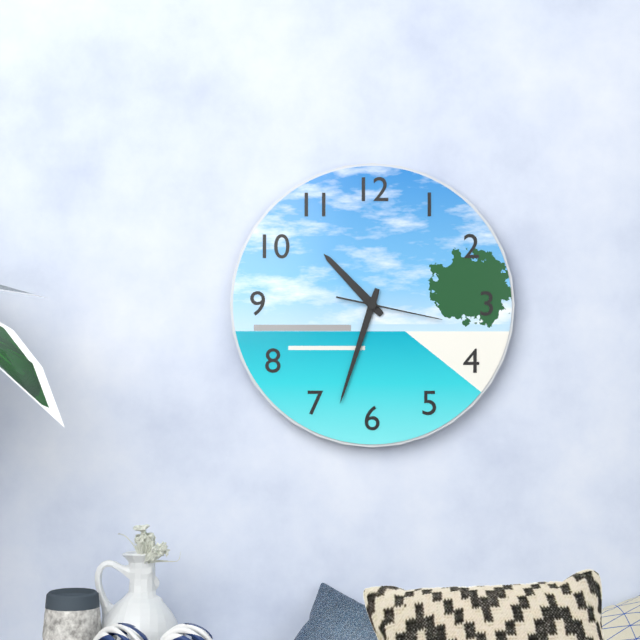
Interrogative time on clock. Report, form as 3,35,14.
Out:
10,33,17
